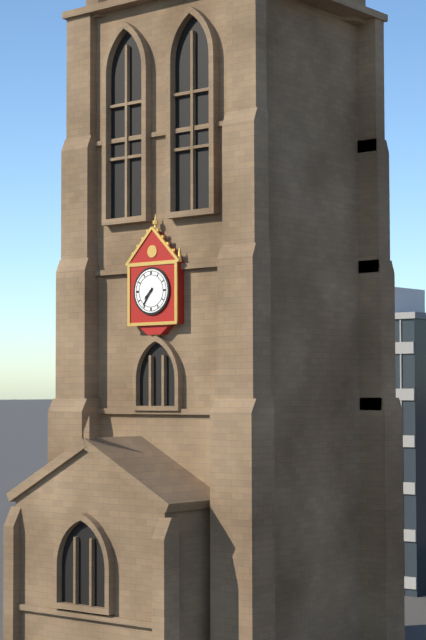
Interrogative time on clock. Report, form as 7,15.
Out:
7,36
